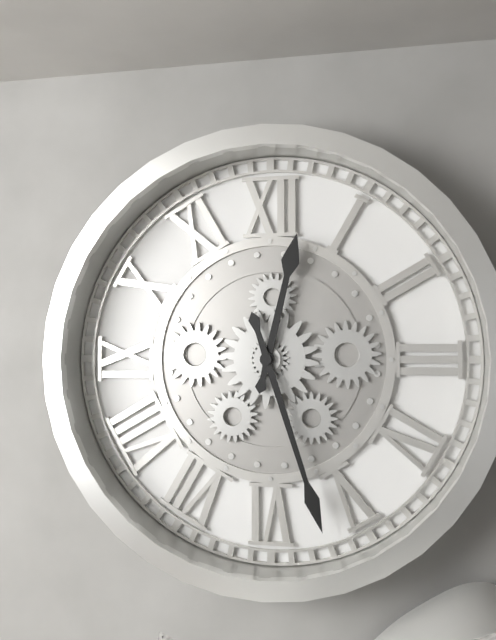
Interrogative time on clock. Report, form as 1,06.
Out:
12,27
